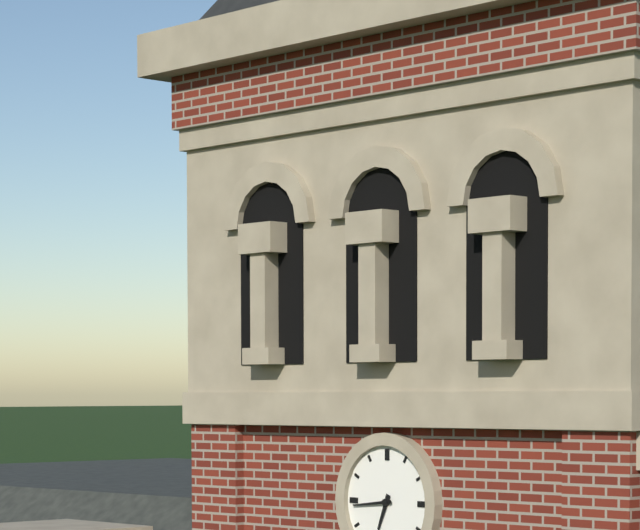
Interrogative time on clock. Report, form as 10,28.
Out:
6,44
